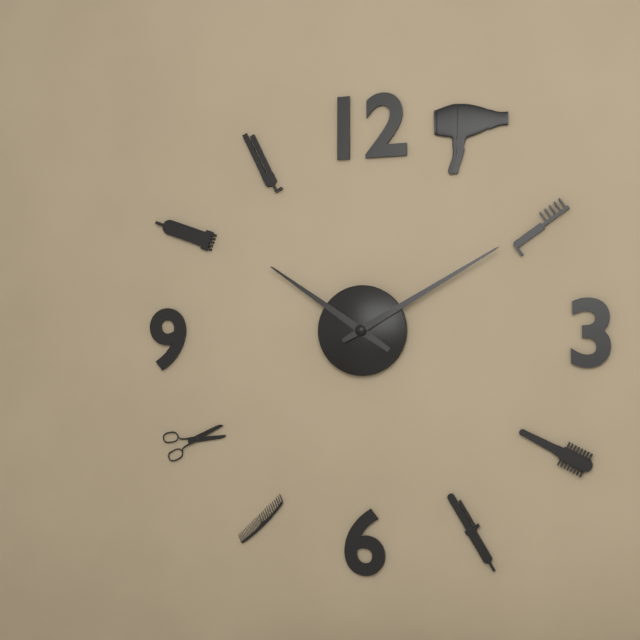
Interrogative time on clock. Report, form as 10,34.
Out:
10,10
